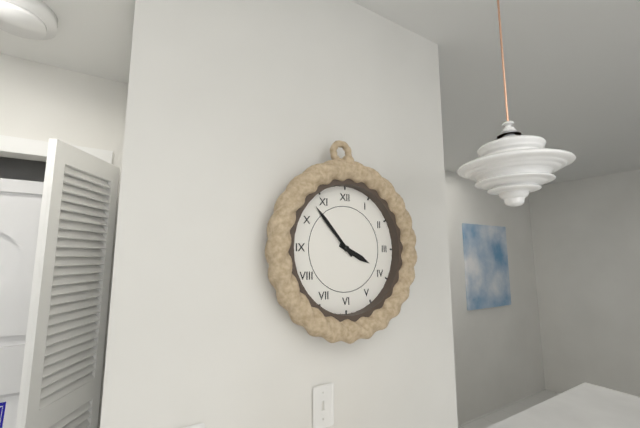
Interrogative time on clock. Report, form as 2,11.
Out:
3,53
